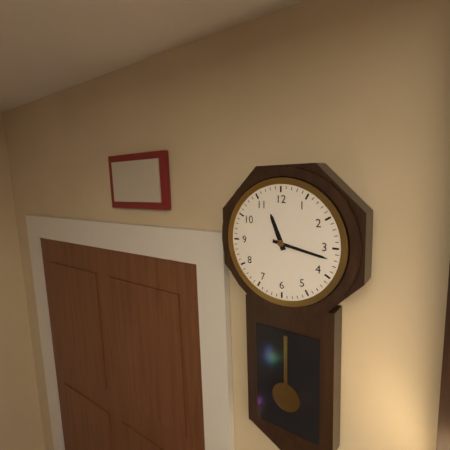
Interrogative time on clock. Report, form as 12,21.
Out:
11,17
